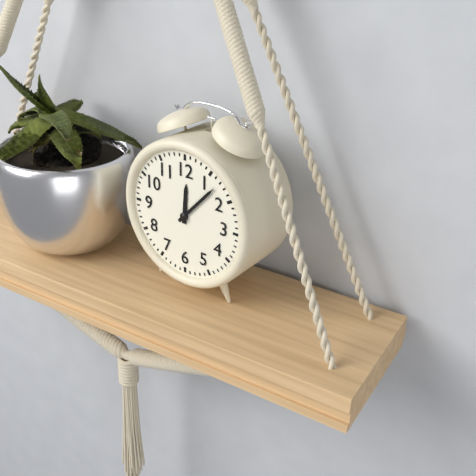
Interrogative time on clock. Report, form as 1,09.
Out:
12,07
